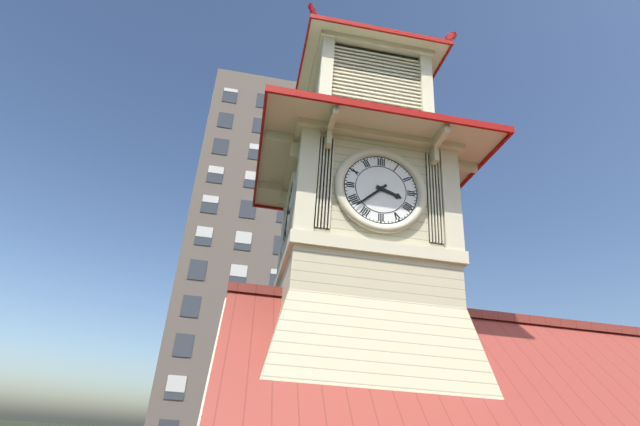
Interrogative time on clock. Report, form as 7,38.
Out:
3,38
